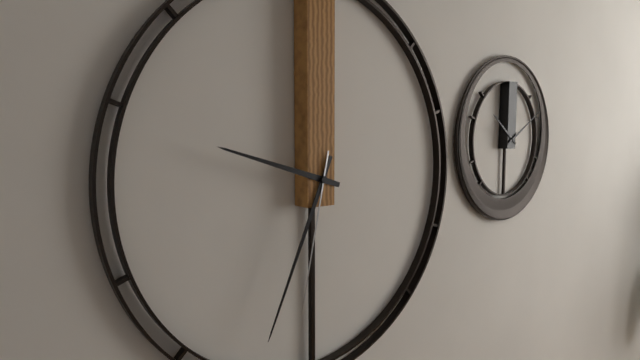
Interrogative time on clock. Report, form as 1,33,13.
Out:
9,34,32
